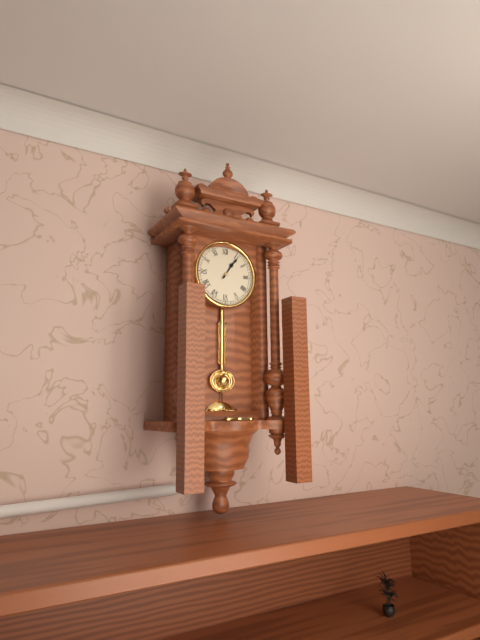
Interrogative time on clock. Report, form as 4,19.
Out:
1,06
